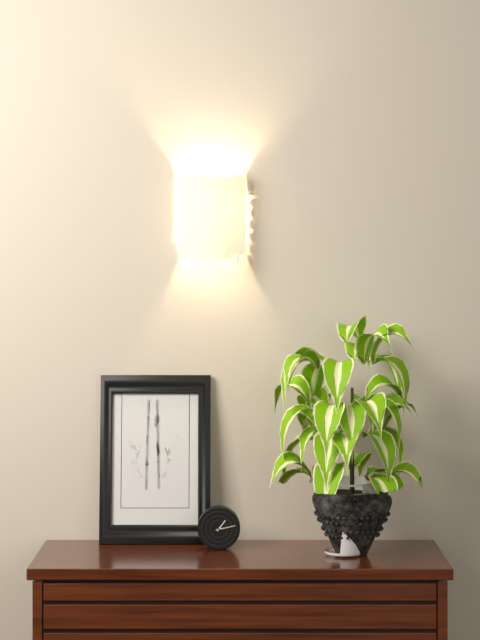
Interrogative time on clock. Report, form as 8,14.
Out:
1,13
